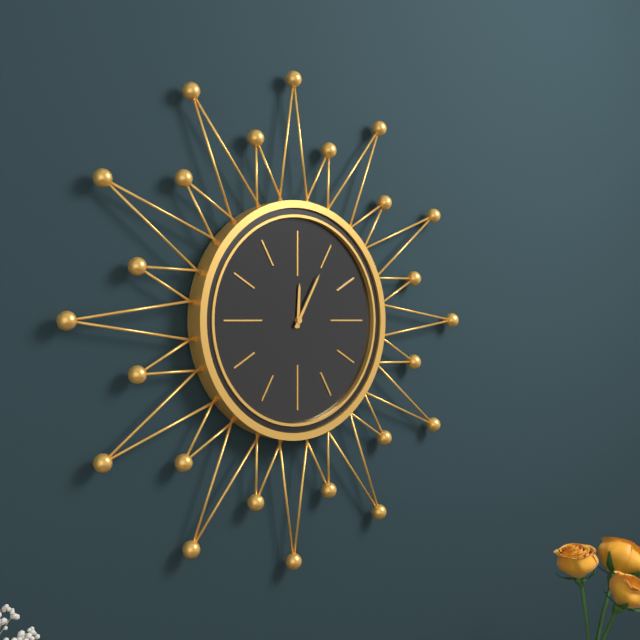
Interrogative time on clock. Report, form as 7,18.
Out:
12,05
